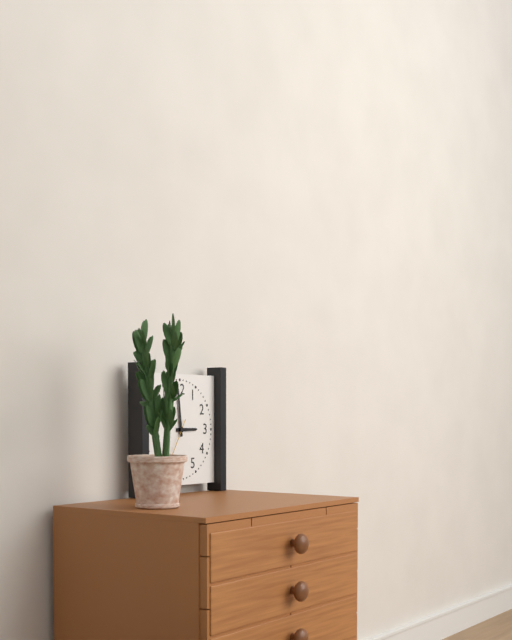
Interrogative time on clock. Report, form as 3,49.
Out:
2,59
